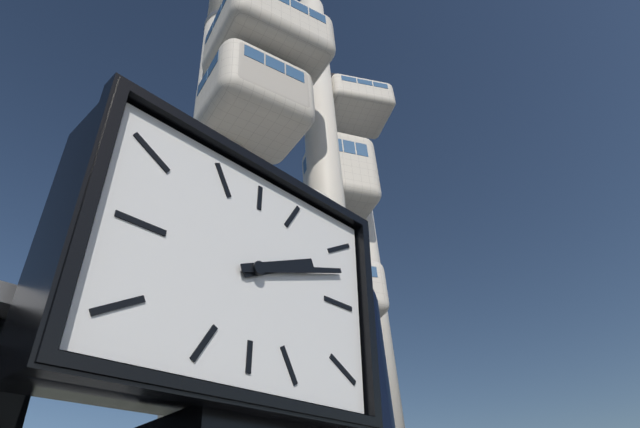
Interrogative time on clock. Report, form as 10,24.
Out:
2,12
